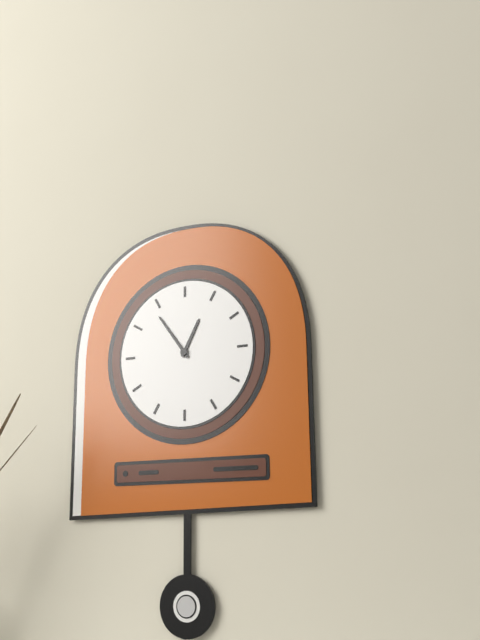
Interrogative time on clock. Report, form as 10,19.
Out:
12,54
